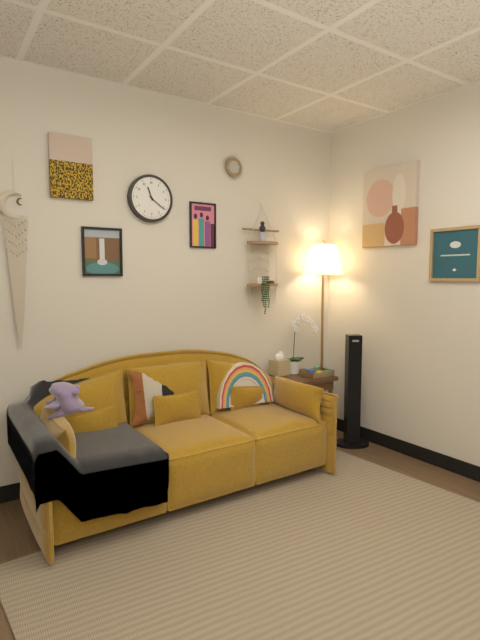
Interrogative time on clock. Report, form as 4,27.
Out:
11,21
